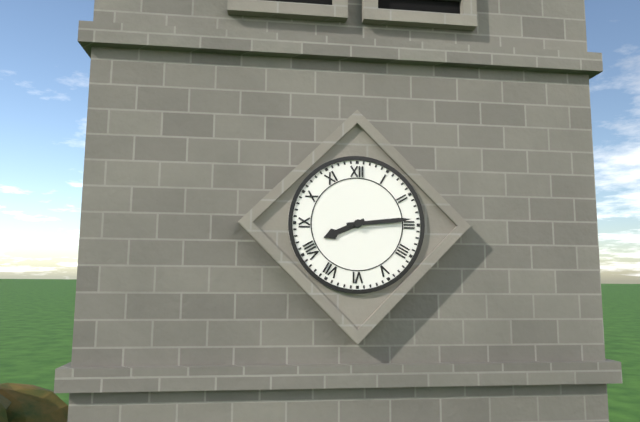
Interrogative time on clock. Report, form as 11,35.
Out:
8,14
